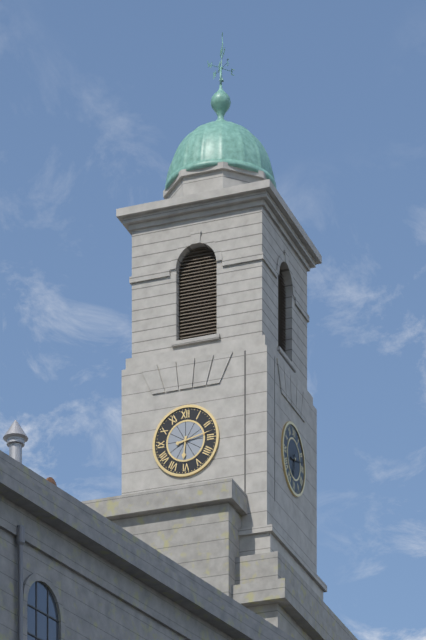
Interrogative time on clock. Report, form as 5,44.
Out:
6,13
